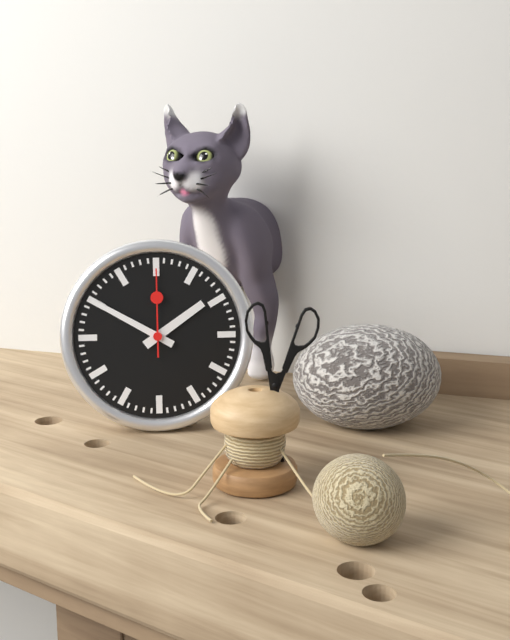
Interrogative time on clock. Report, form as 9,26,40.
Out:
1,50,00
